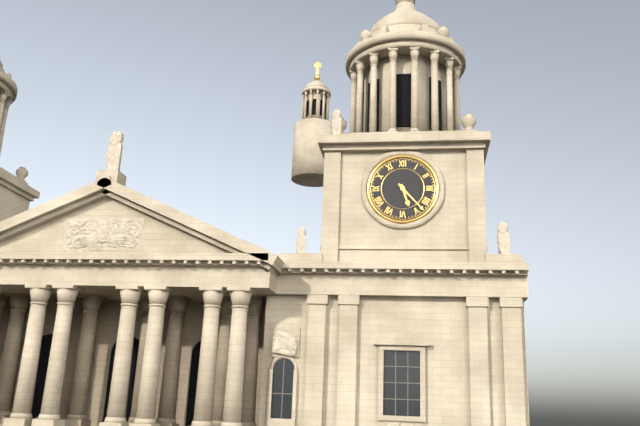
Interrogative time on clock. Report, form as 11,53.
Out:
5,23
